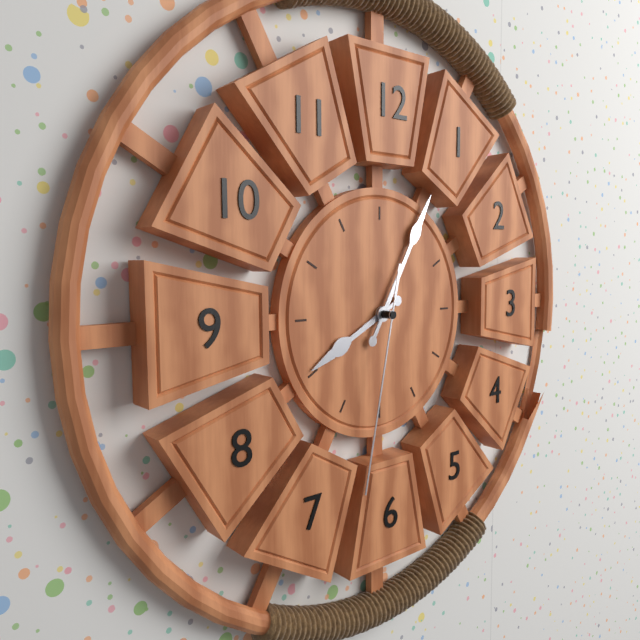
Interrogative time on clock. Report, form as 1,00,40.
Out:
8,05,32
